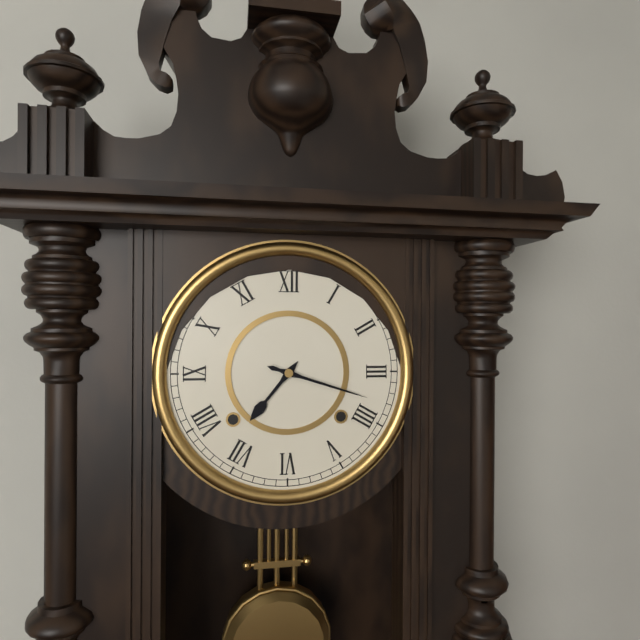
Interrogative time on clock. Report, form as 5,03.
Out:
7,18
